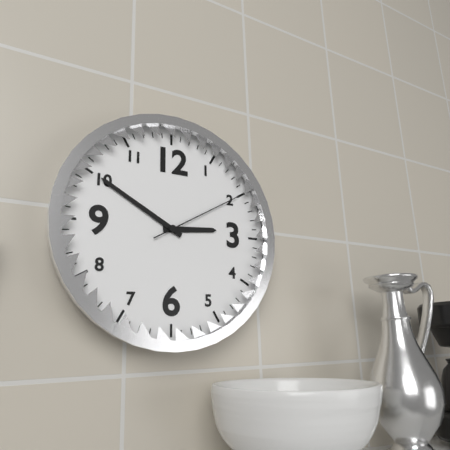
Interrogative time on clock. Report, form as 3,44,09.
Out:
2,50,10
